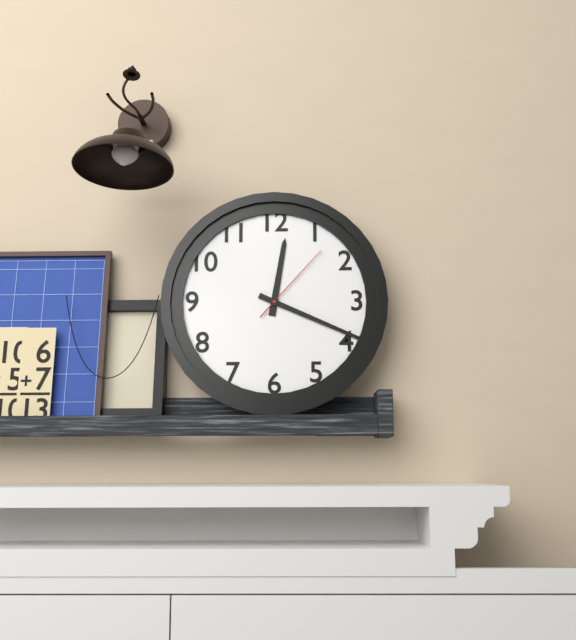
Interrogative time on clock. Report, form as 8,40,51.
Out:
12,19,07
